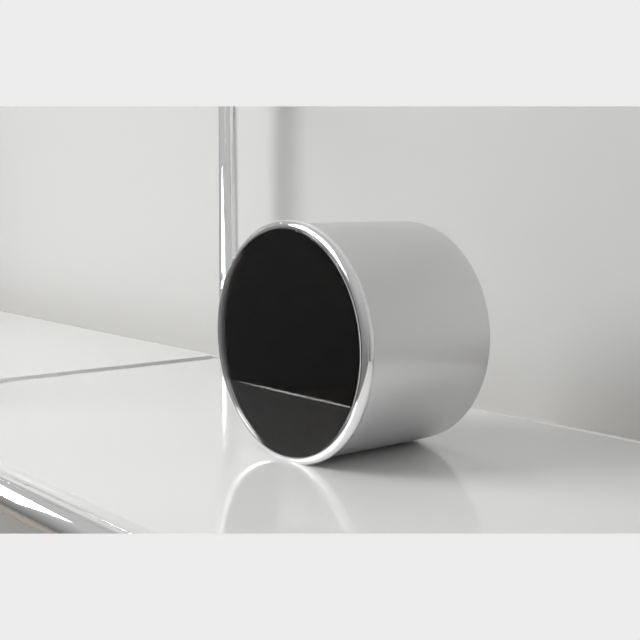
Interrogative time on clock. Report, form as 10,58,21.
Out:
11,23,01
